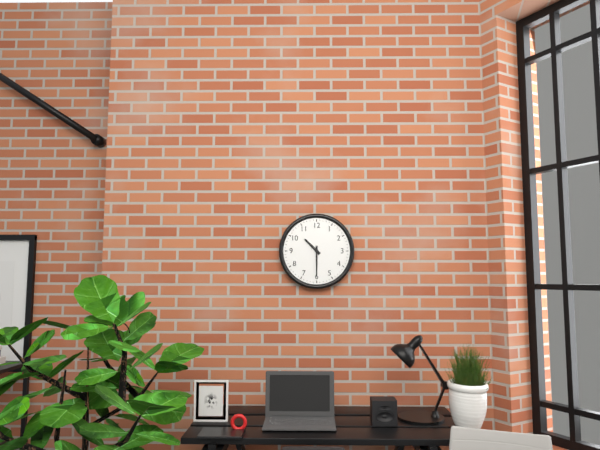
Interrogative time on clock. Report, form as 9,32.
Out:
10,30
